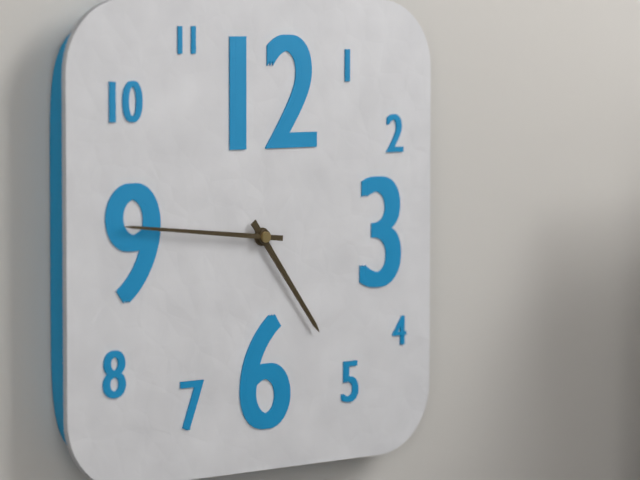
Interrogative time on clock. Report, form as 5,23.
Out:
4,46
